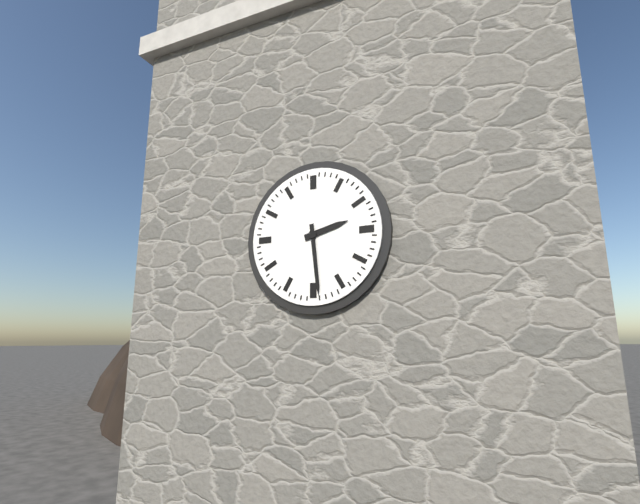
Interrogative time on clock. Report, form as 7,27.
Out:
2,29
